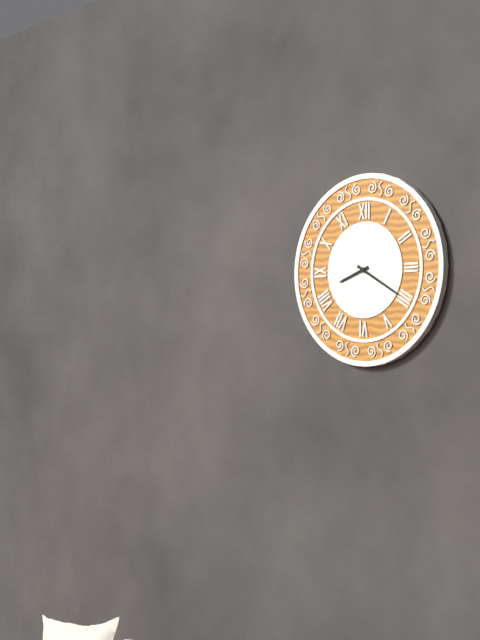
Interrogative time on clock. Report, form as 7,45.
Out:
8,20
